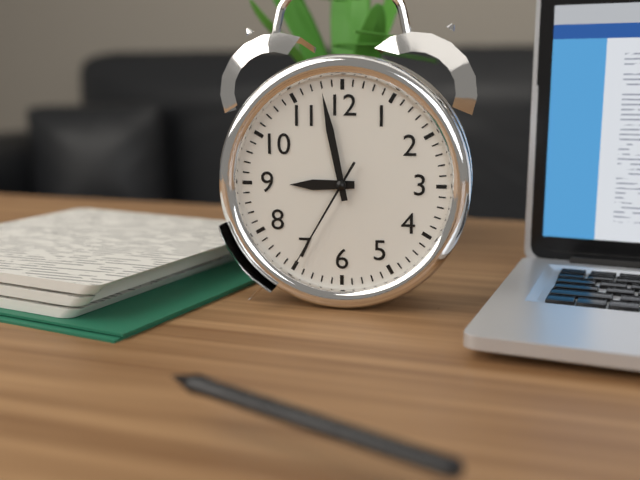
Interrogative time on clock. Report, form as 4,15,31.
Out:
8,58,35
